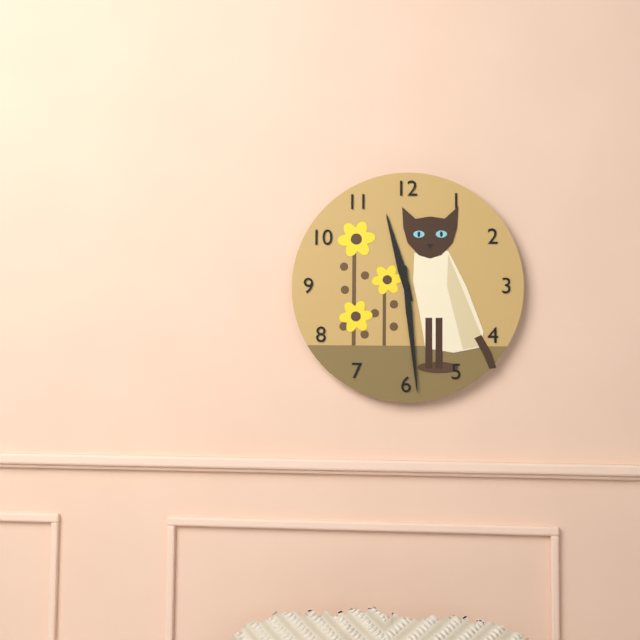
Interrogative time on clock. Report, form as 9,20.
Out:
11,29
